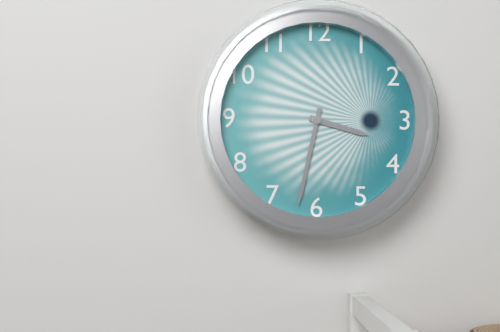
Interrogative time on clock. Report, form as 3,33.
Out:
3,32
